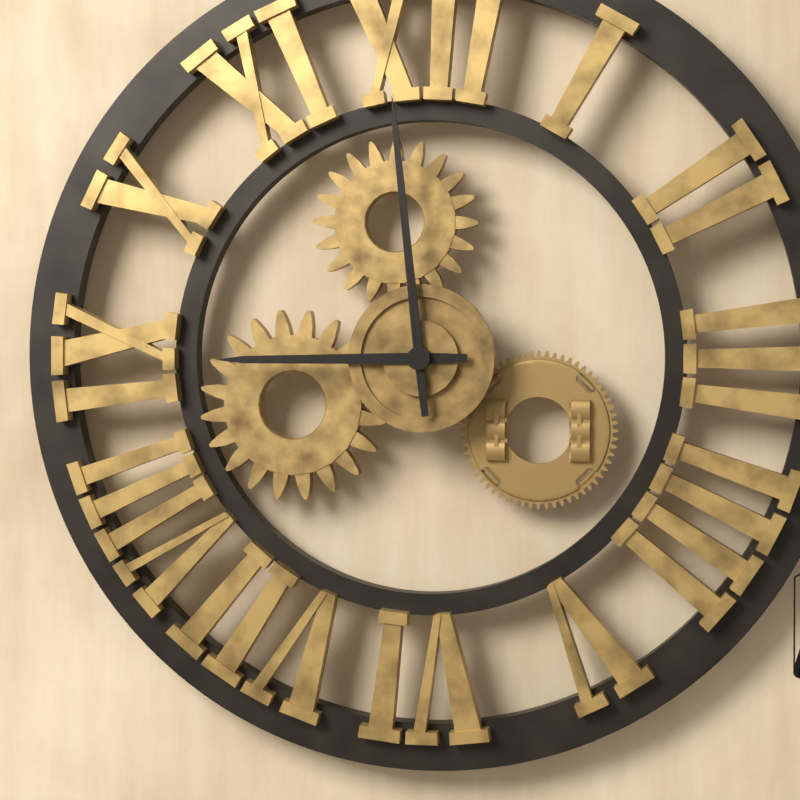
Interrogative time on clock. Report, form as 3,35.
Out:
8,59
